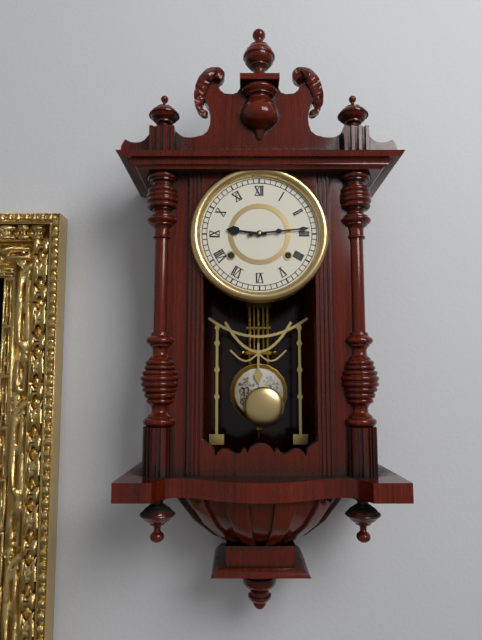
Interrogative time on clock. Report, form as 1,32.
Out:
9,14
